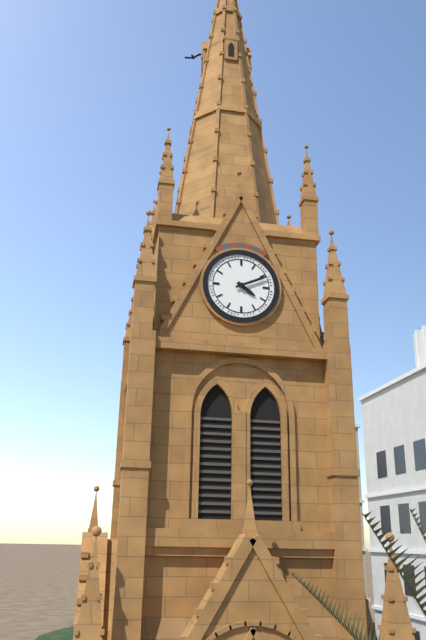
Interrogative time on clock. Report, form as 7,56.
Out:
4,11
